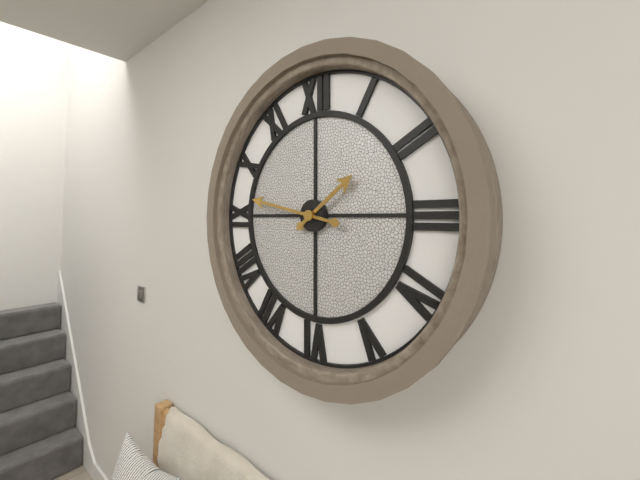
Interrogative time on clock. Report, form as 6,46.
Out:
1,47
